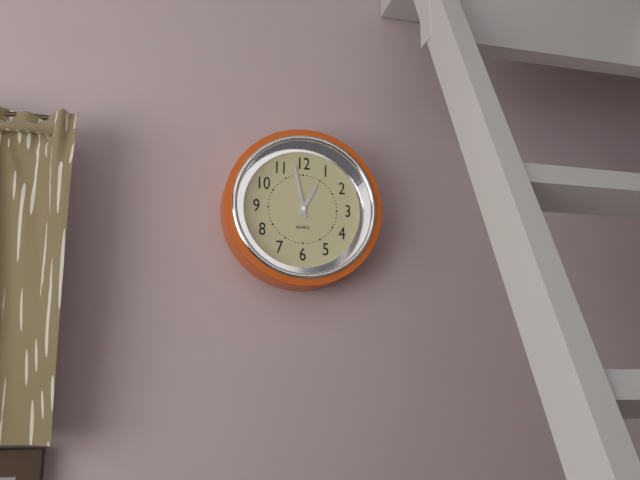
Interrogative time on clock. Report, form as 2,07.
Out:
12,58
